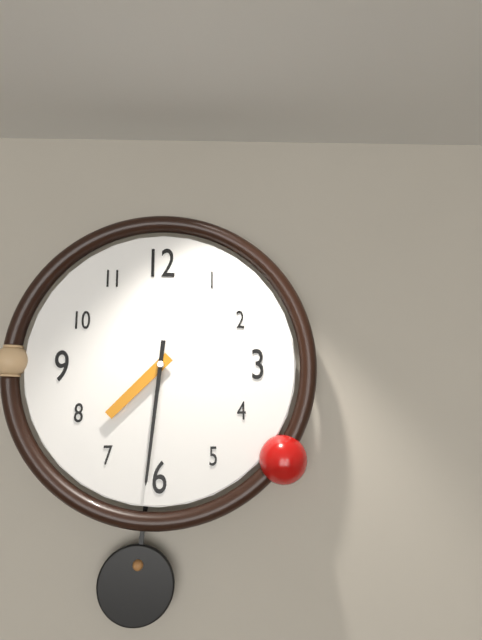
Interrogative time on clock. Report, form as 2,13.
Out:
7,31
